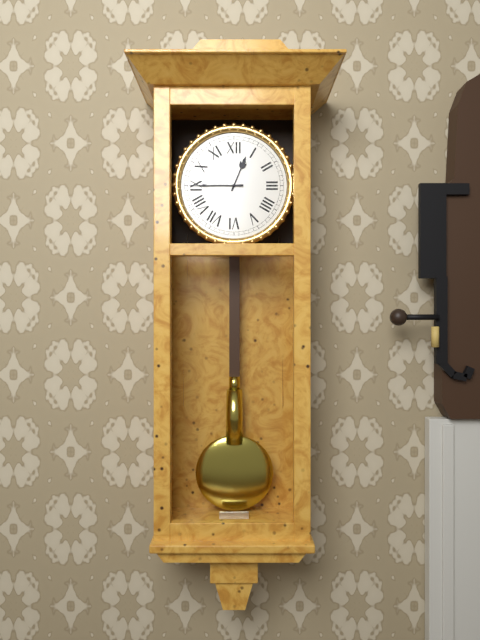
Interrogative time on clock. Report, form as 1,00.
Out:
12,45
